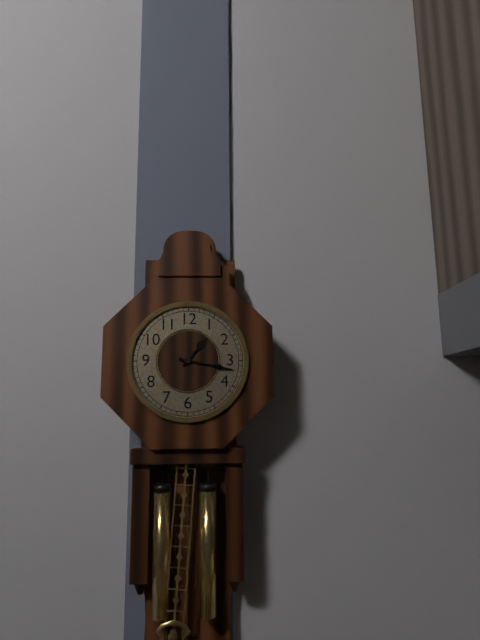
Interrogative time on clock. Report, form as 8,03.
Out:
1,17
